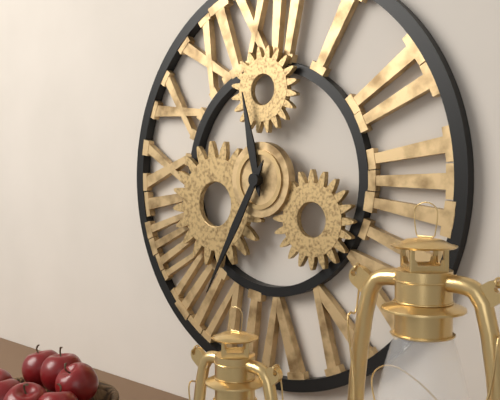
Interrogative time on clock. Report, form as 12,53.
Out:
11,35
